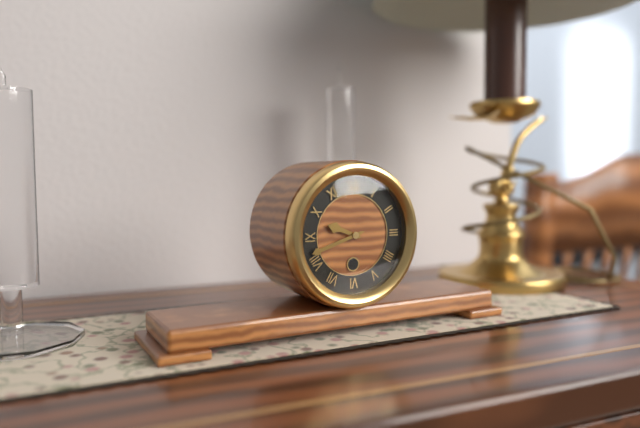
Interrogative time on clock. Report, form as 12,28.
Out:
9,42
